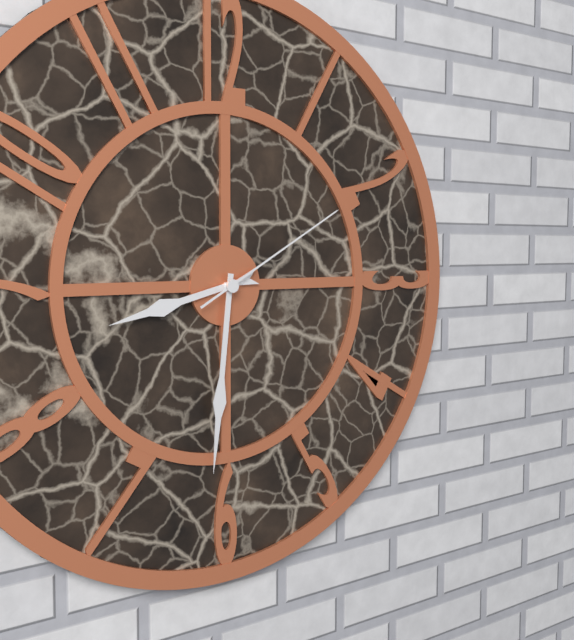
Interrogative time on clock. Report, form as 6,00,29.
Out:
8,31,10
